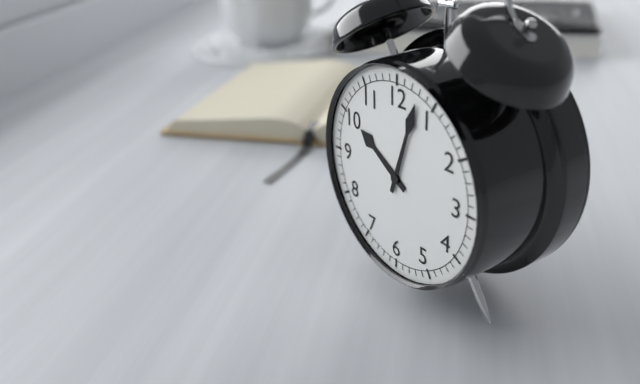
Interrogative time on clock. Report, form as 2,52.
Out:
10,03
